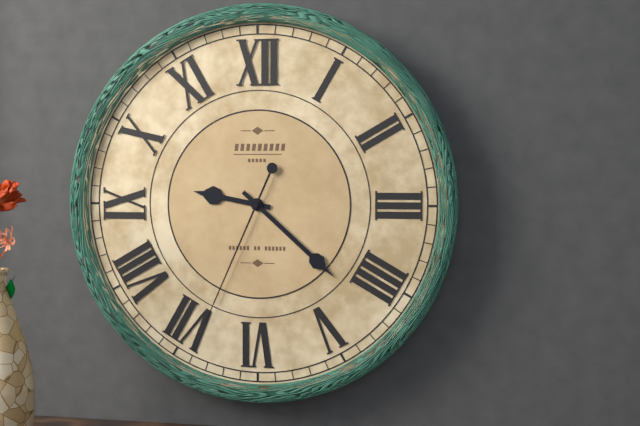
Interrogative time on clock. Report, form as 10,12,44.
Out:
9,22,34
